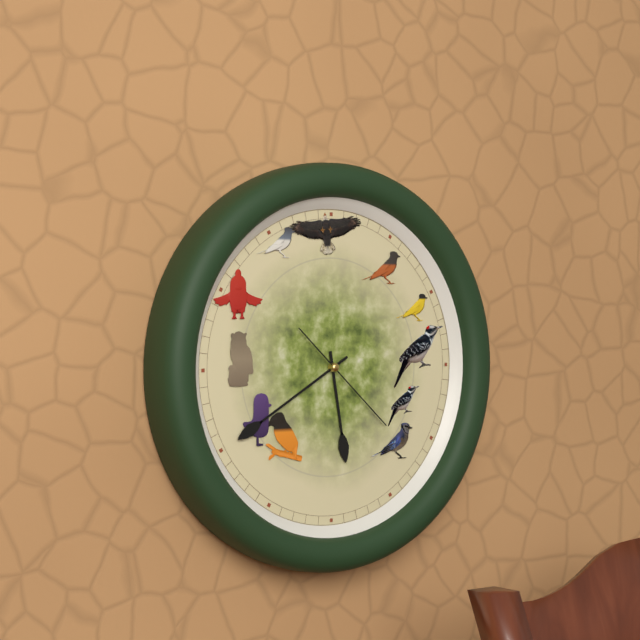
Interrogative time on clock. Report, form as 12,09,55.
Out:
5,40,22
